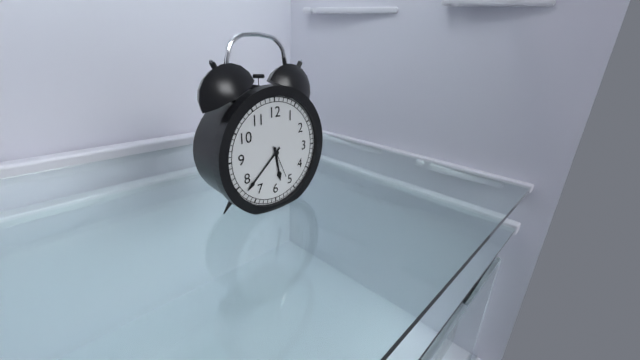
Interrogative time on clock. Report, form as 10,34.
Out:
5,38
